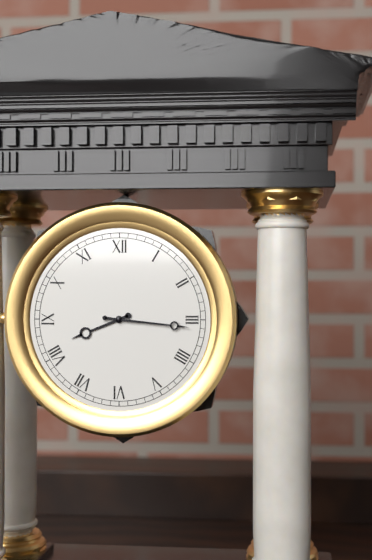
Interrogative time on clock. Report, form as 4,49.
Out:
8,16
